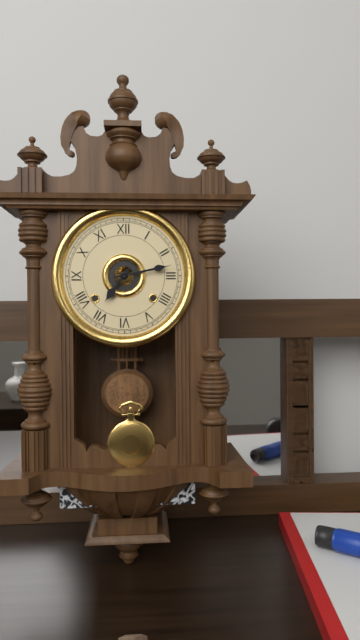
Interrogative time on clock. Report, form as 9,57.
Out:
7,13
